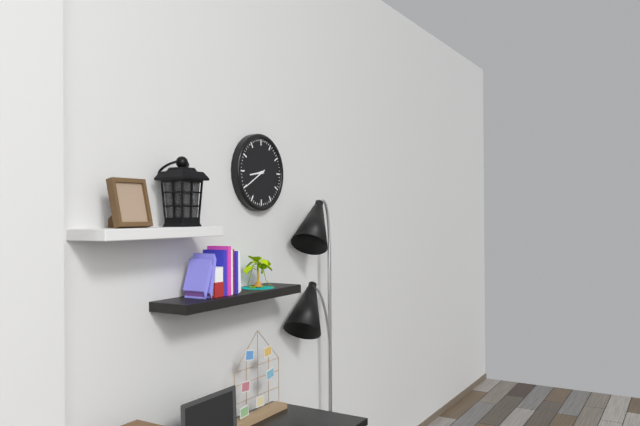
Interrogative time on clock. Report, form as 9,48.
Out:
8,40
